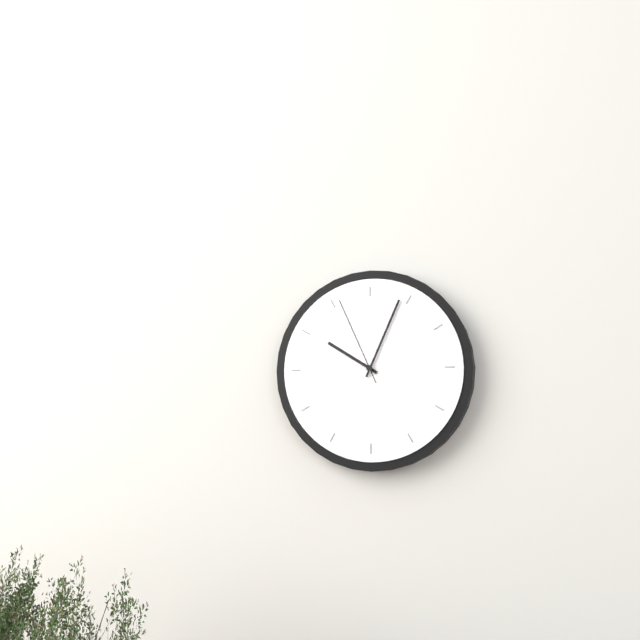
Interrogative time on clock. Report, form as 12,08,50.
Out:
10,04,56
